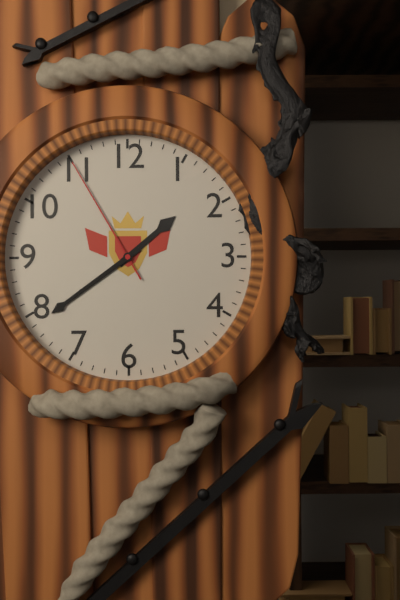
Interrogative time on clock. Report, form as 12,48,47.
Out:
1,39,55
